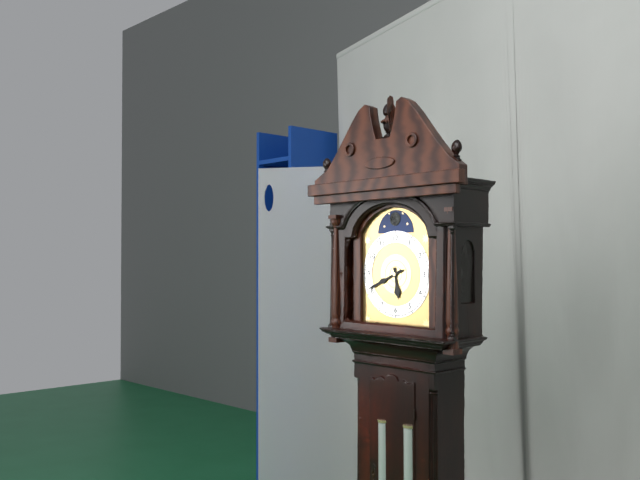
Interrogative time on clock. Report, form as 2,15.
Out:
5,41
